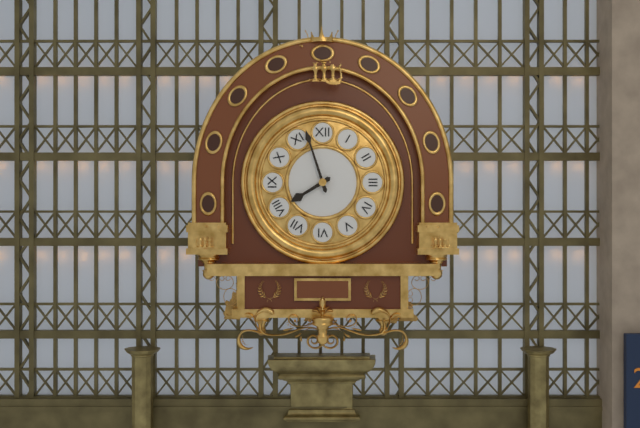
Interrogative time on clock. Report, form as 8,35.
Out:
7,57
